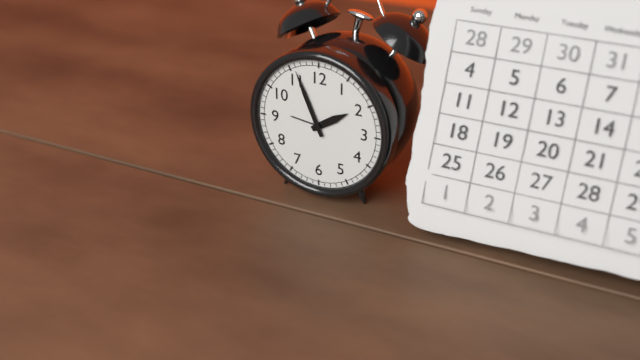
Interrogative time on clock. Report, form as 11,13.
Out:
1,56
